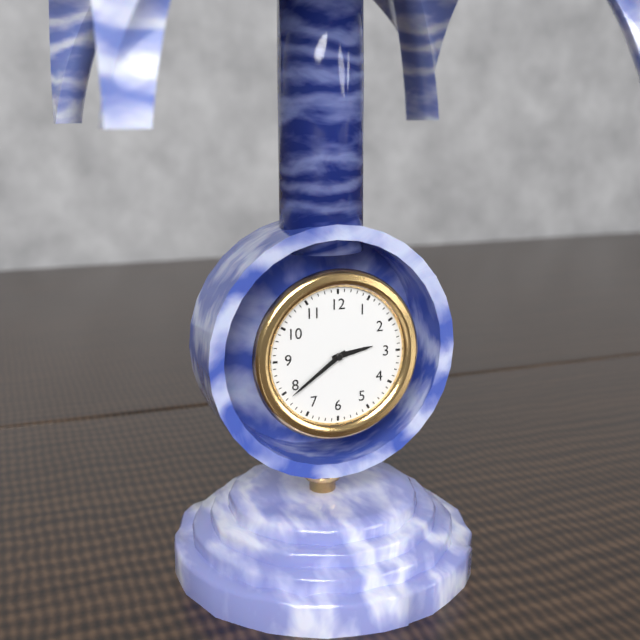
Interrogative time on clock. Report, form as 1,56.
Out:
2,39
